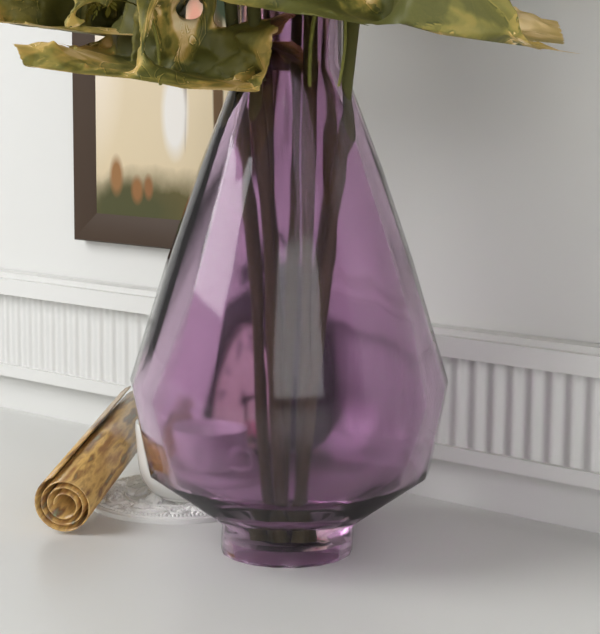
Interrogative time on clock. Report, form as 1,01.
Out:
2,25
